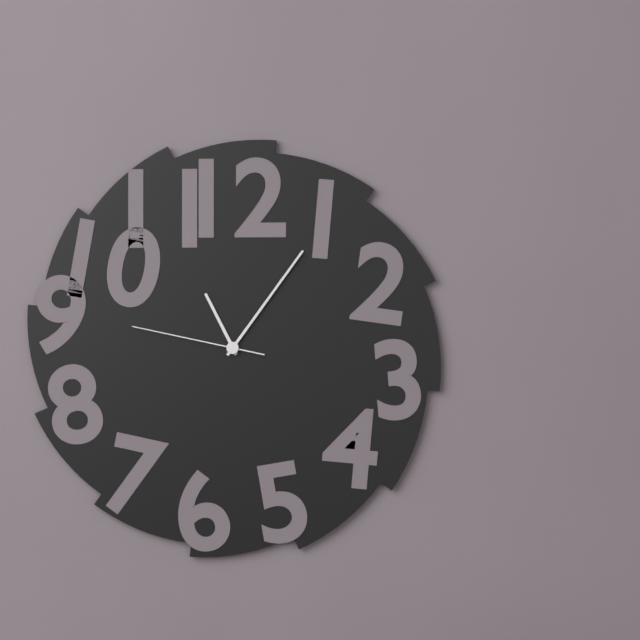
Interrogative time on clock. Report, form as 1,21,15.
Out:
11,06,47
